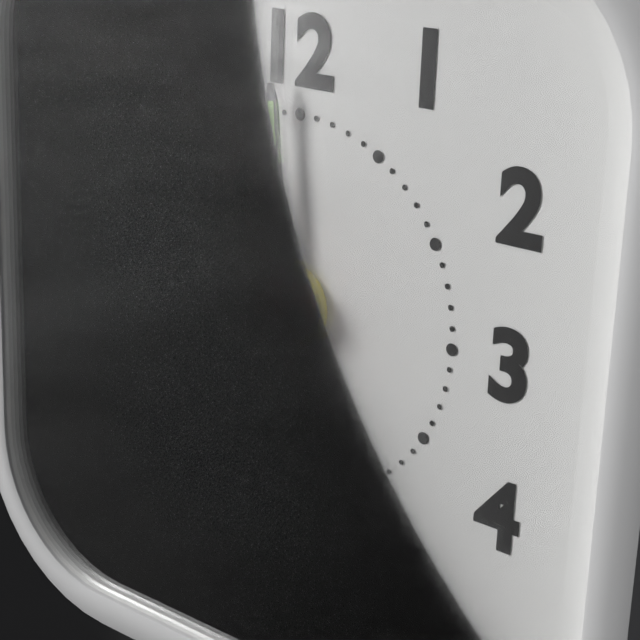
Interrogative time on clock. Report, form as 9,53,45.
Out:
10,59,56
